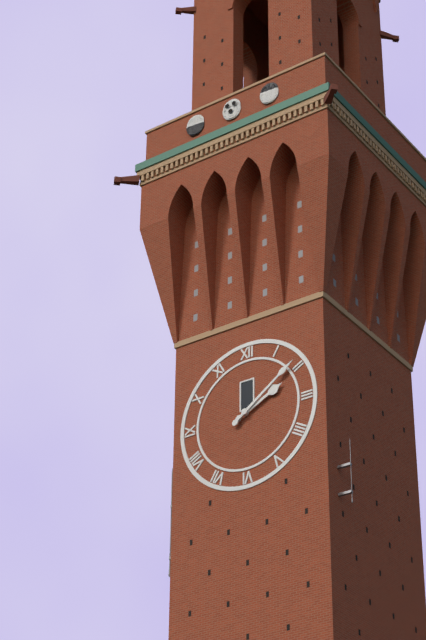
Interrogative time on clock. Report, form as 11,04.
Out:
2,09
